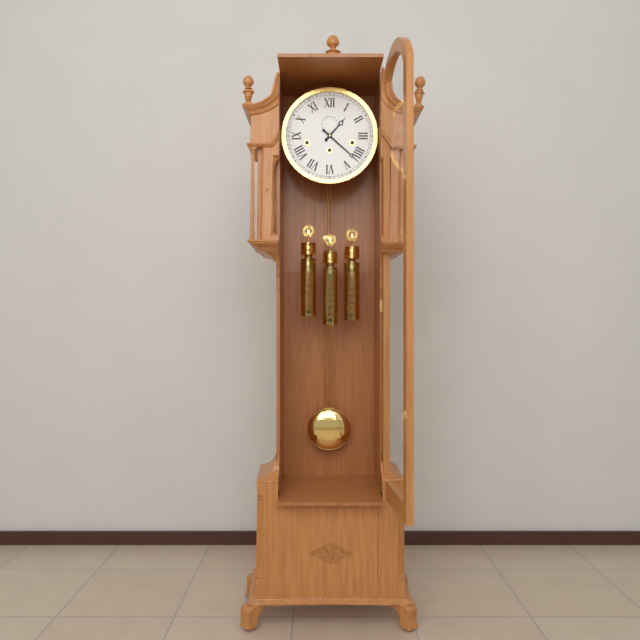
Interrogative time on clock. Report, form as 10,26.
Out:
1,22
